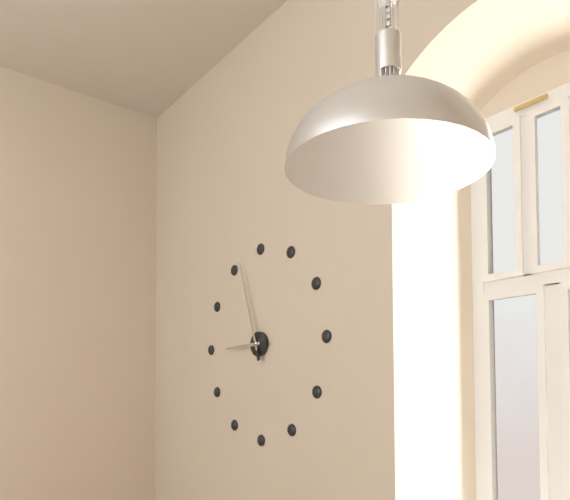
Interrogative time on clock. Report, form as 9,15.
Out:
8,57
